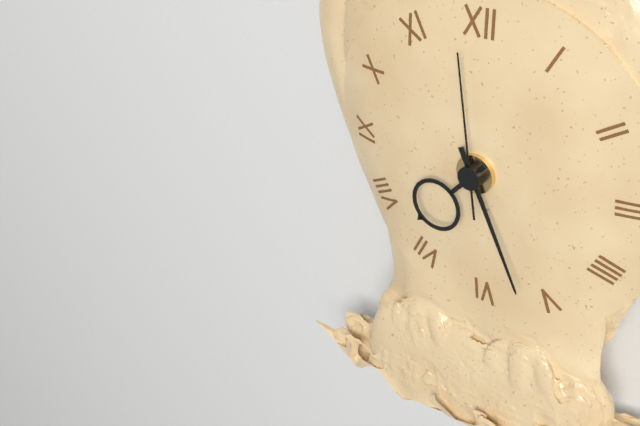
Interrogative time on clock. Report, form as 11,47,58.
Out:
7,26,59
